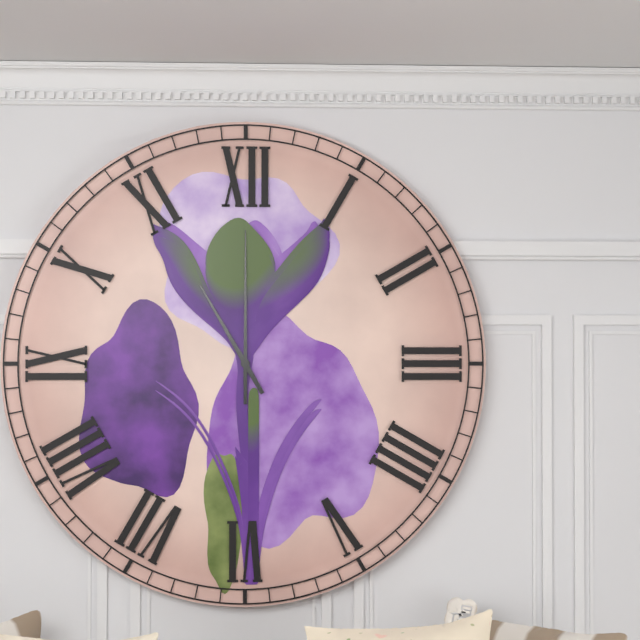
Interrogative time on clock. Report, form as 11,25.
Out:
11,00
